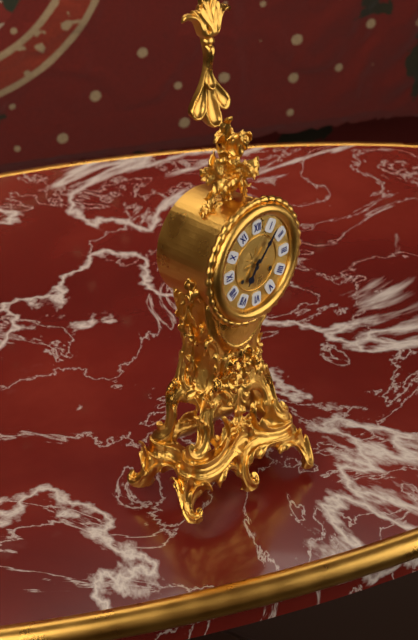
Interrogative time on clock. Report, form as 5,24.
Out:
7,07
